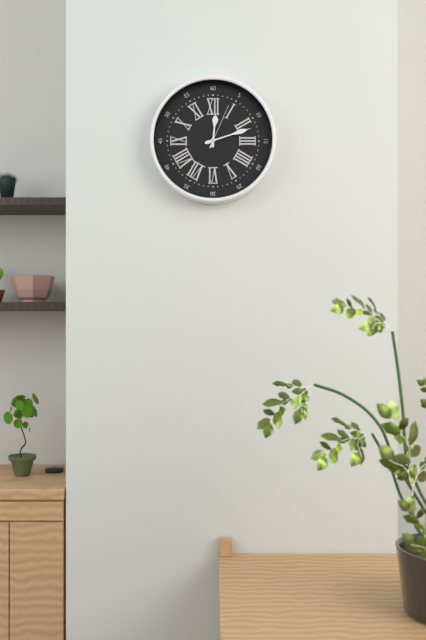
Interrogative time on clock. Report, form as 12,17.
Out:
12,12
